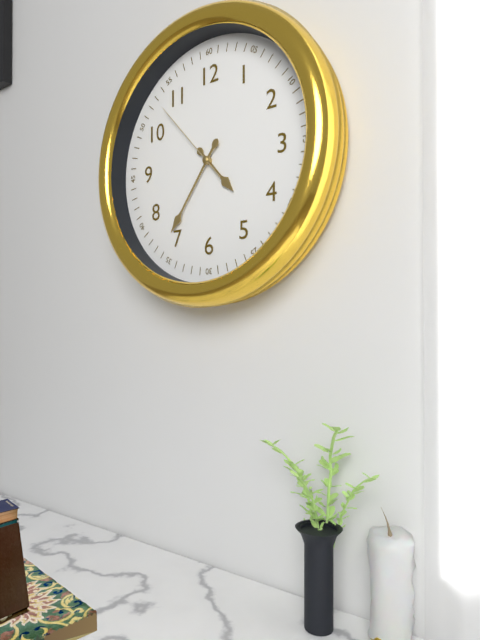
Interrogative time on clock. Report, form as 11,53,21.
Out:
4,36,53
